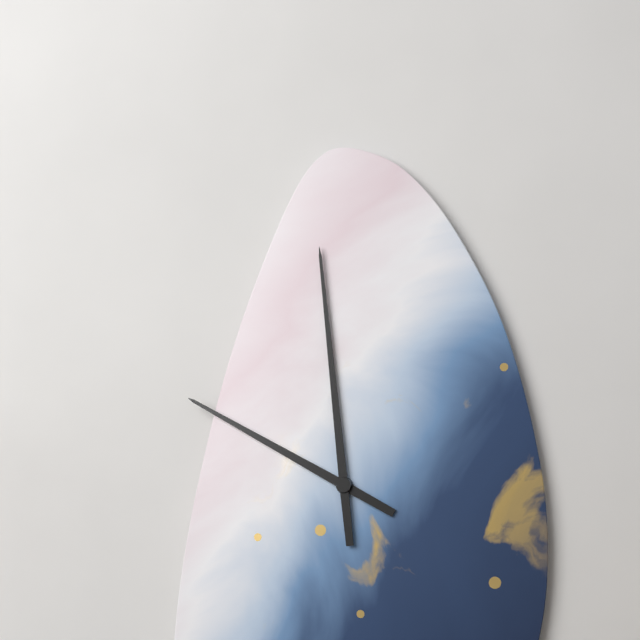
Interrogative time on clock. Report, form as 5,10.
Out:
9,59
